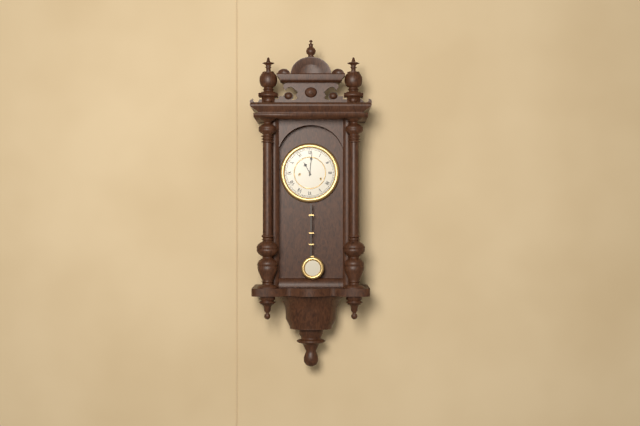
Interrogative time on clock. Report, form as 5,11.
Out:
11,01
